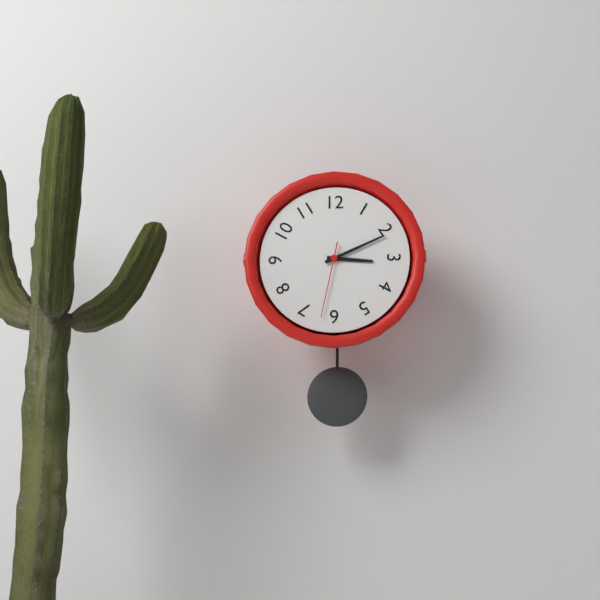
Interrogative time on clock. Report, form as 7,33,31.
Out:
3,11,32
